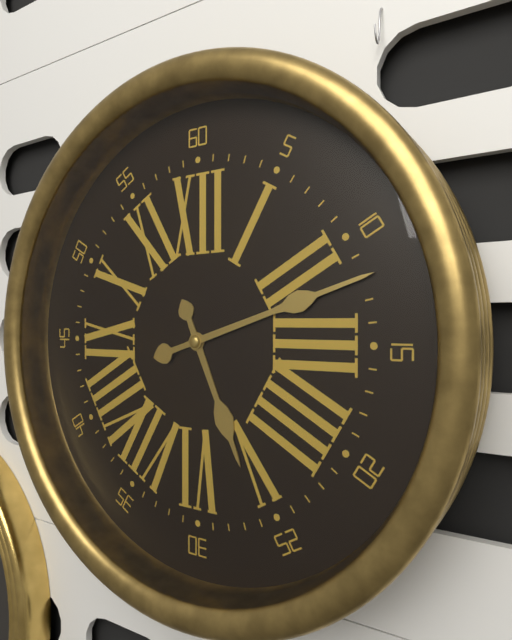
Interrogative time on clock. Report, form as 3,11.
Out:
5,12
